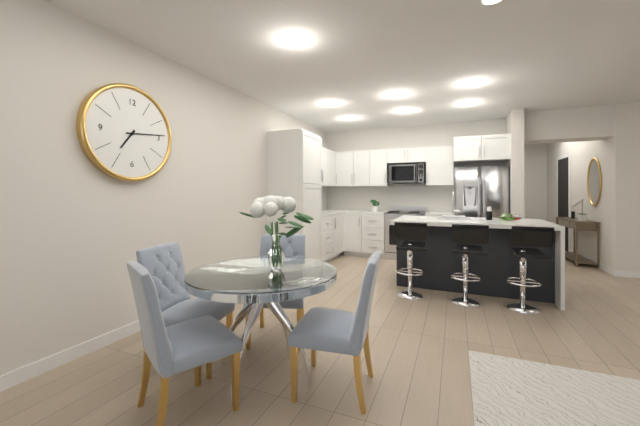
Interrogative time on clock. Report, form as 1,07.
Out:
7,14
